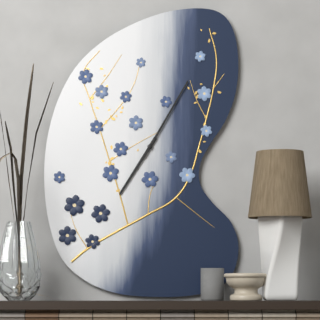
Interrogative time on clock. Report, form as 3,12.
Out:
7,05
